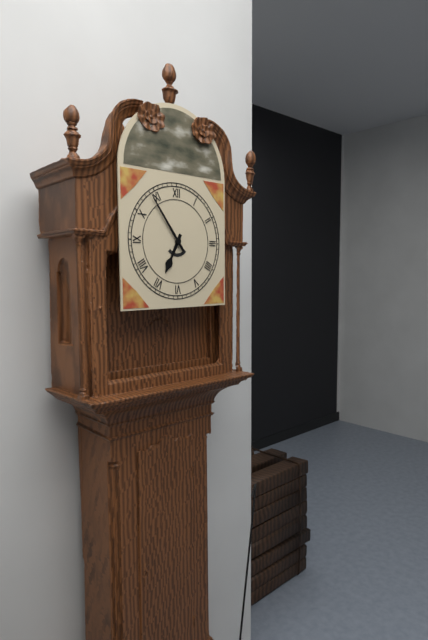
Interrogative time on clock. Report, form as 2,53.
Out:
6,54
